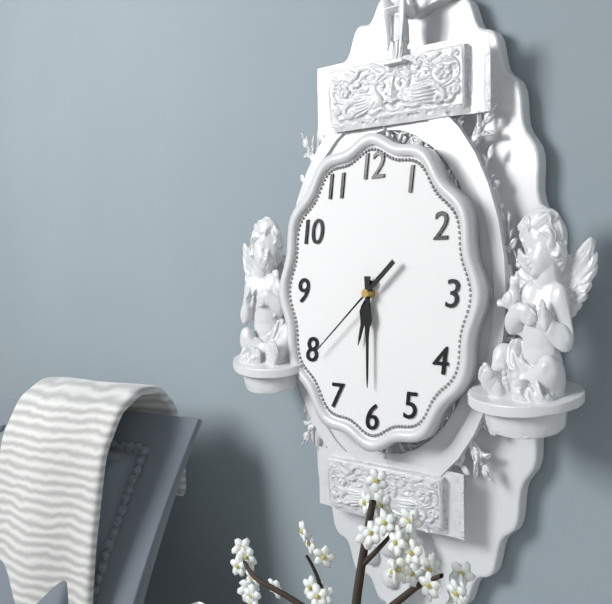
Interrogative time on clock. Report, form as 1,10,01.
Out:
6,30,38
